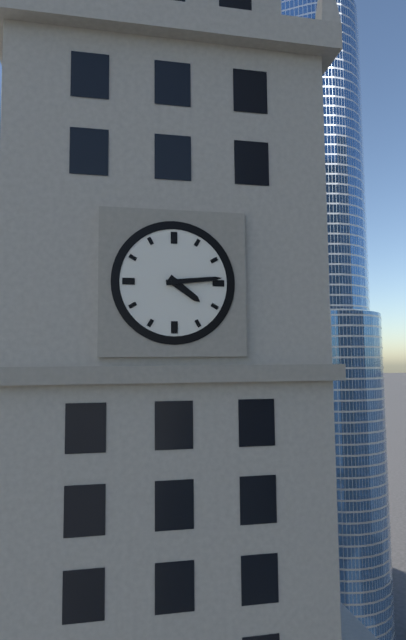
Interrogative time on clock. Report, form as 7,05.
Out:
4,14
